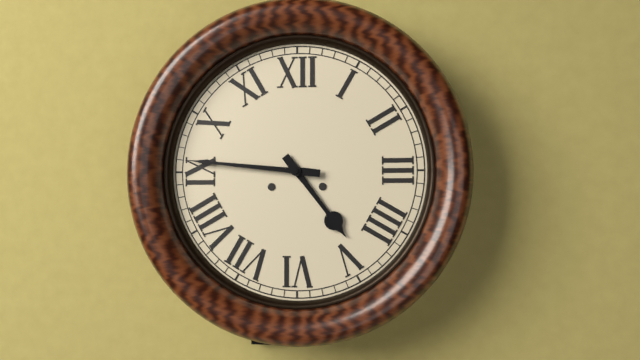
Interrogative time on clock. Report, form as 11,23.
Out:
4,46
